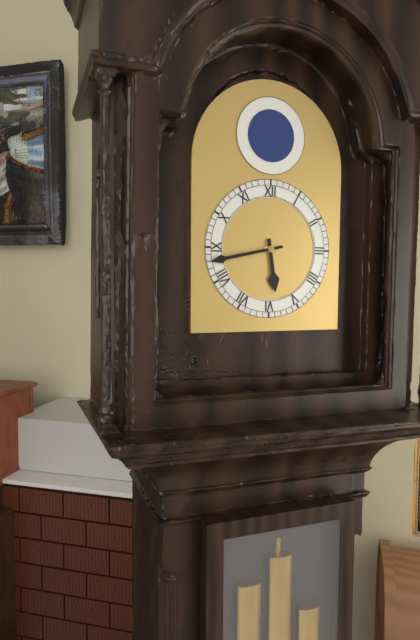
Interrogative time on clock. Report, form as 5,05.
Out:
5,43
